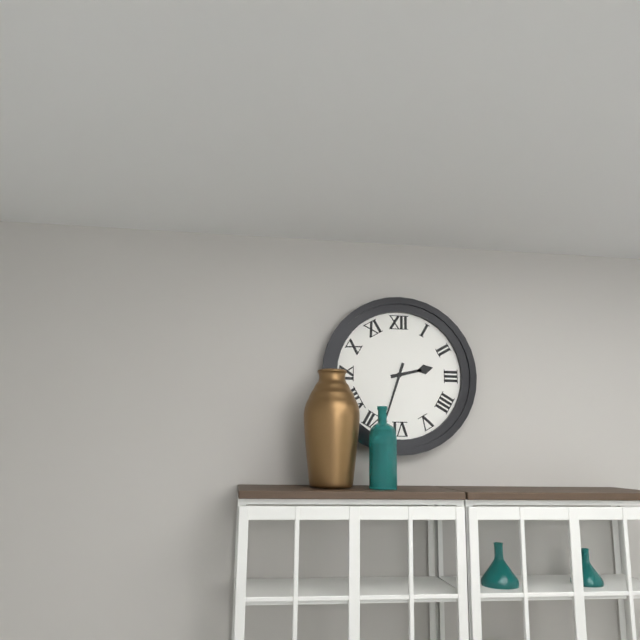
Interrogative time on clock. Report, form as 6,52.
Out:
2,33
